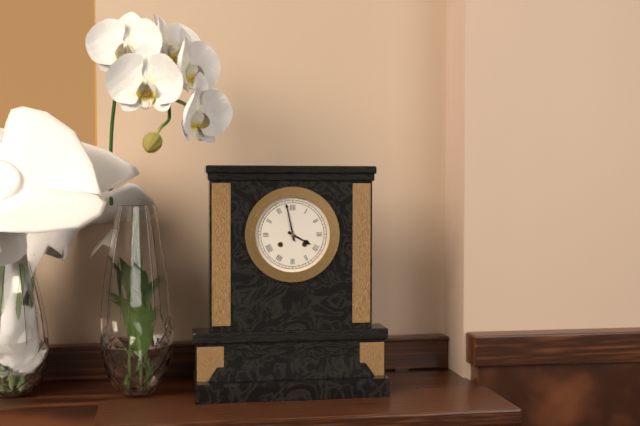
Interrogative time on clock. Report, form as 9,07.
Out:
3,58
